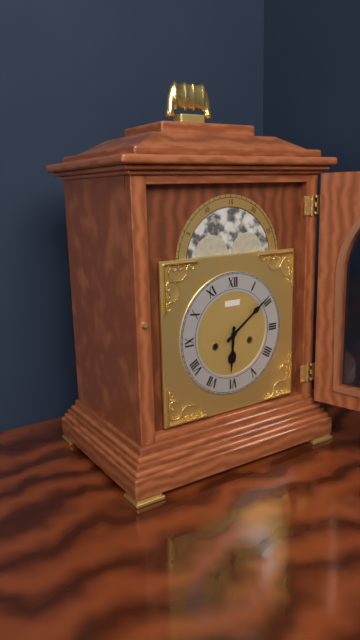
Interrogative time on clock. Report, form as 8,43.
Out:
6,09
